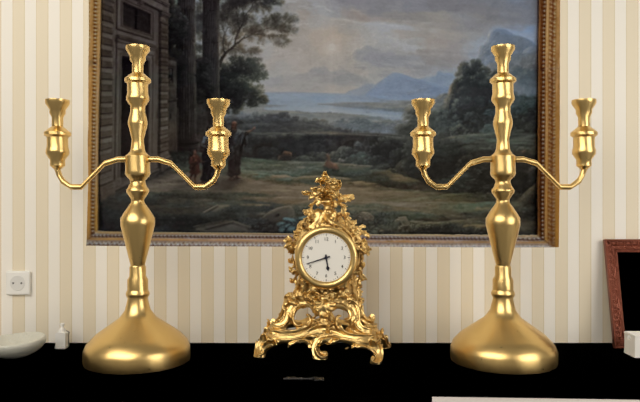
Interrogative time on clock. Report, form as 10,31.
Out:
5,42
